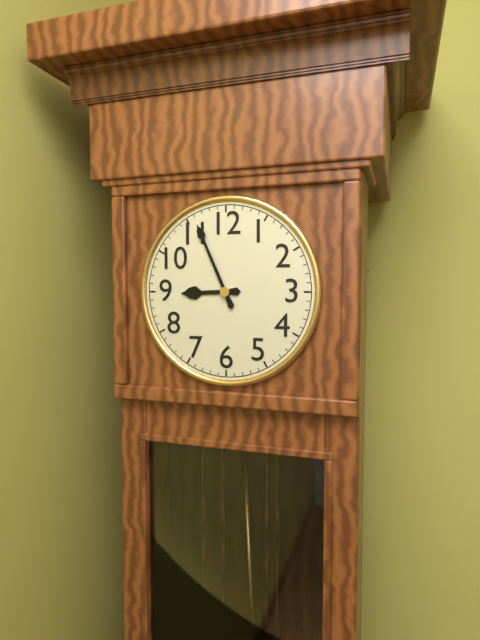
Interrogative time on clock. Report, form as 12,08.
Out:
8,56
